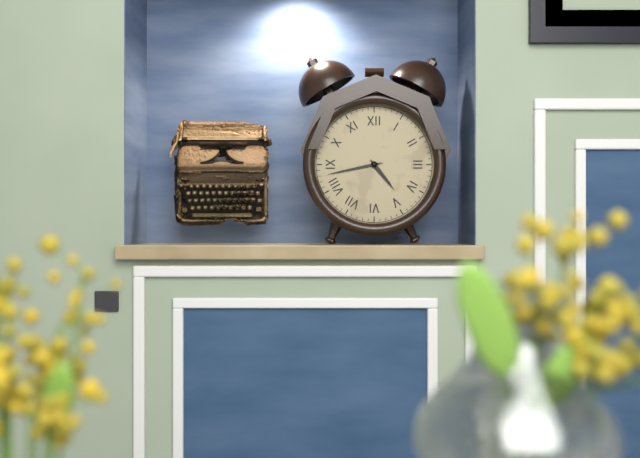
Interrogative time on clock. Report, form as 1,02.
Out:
4,43
